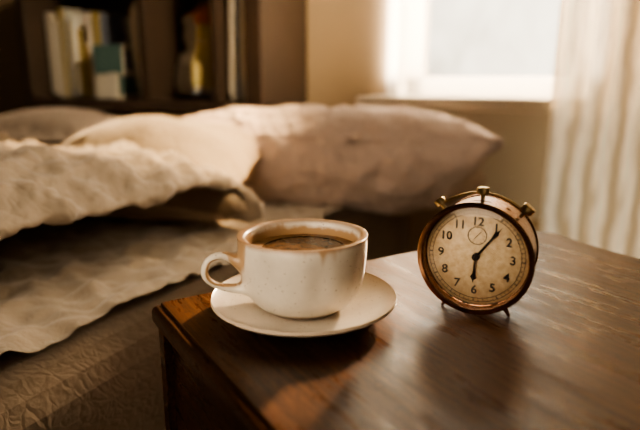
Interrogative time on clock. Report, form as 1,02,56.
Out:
6,06,29
